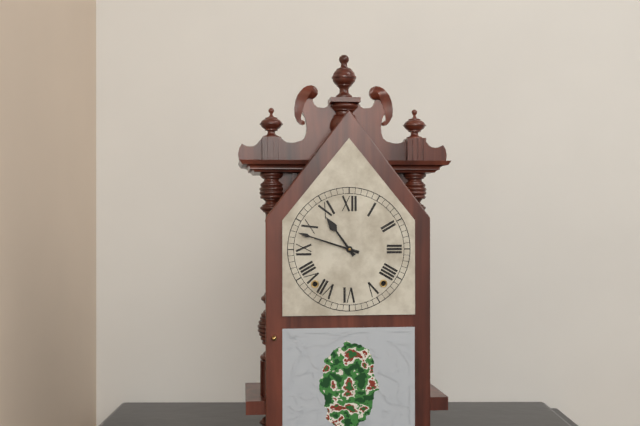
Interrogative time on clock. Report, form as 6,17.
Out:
10,48
